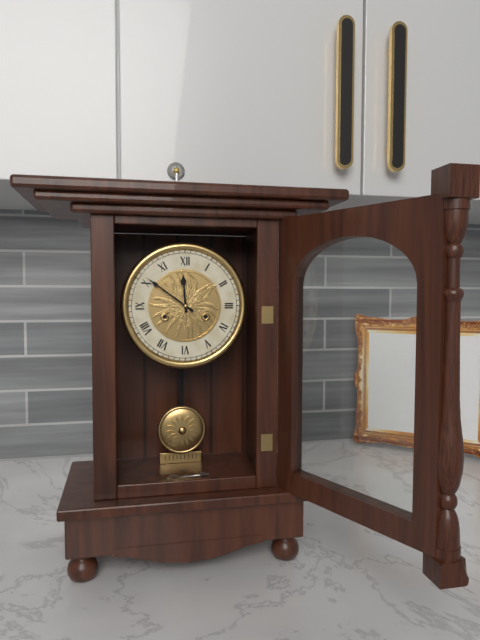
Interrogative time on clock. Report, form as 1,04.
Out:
11,51
